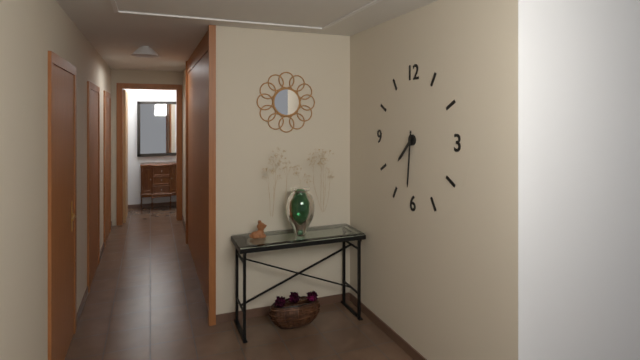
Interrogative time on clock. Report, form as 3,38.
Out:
7,31
